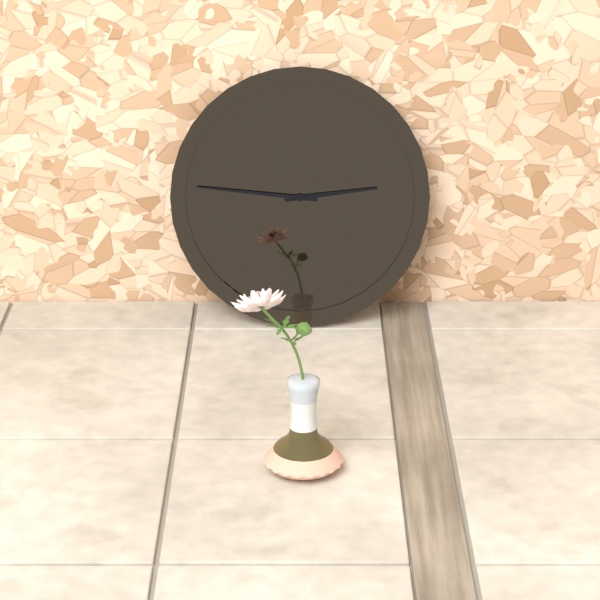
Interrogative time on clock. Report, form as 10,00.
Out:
2,46
